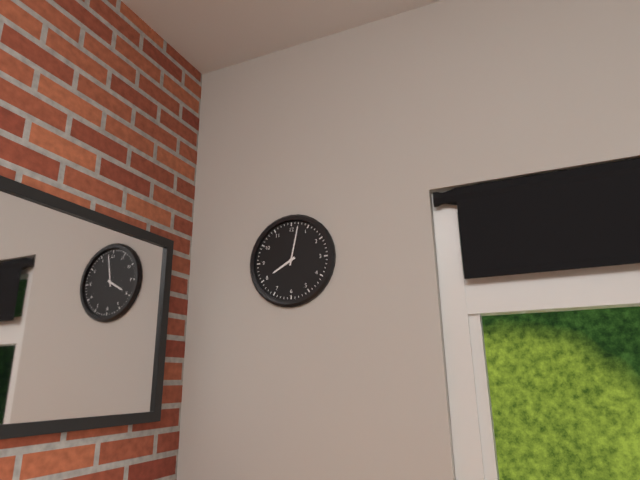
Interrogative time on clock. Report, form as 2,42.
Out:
8,02
